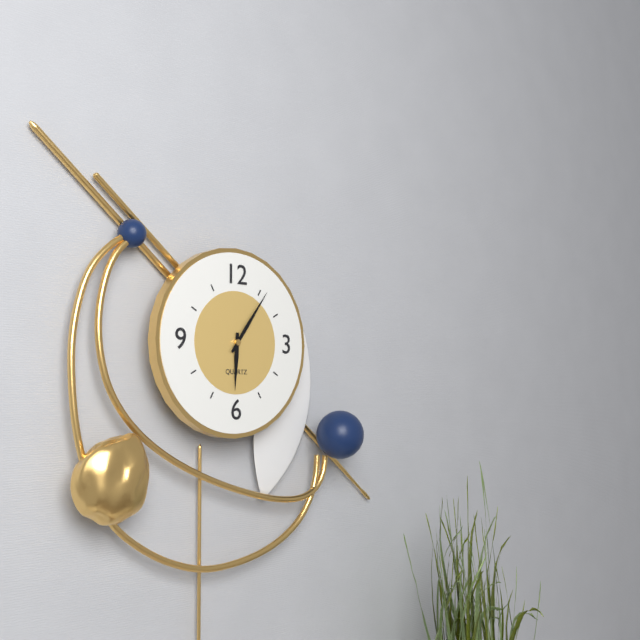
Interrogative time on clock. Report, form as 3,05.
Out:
6,06
